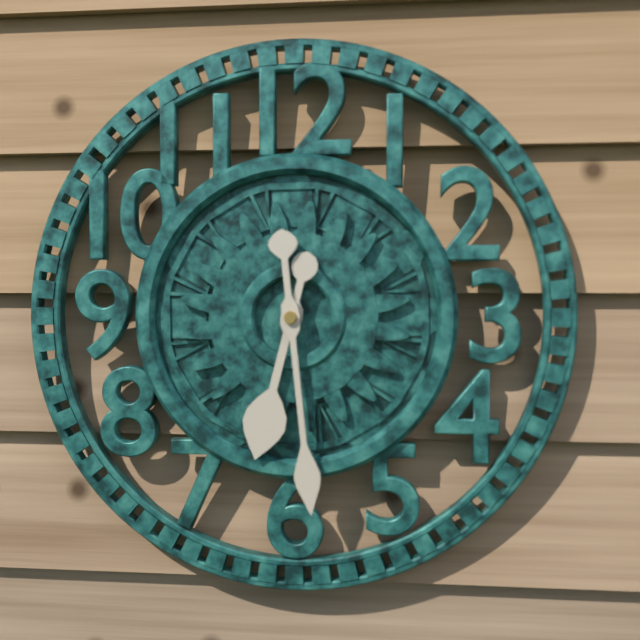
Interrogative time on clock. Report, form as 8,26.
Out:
6,29
